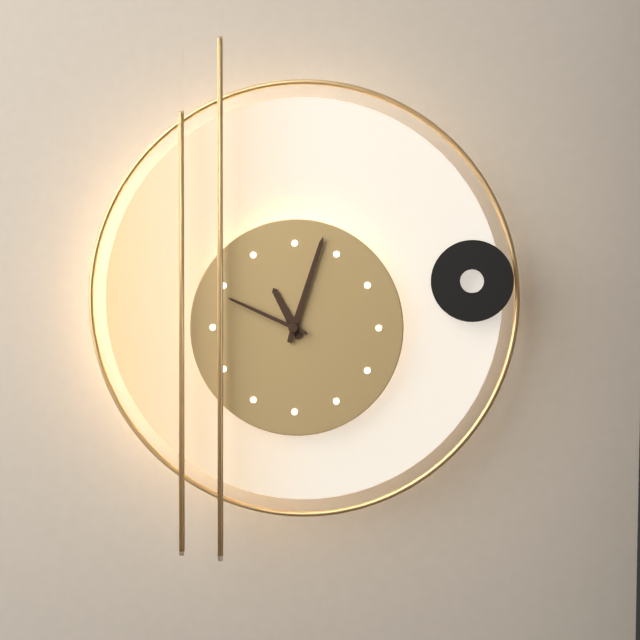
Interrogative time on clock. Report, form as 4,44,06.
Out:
11,03,49
